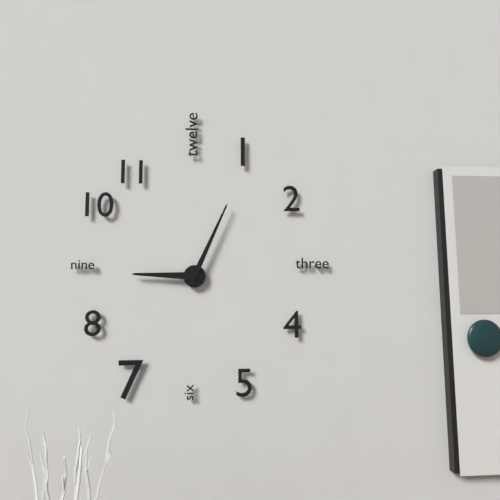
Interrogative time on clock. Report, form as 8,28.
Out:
9,04
